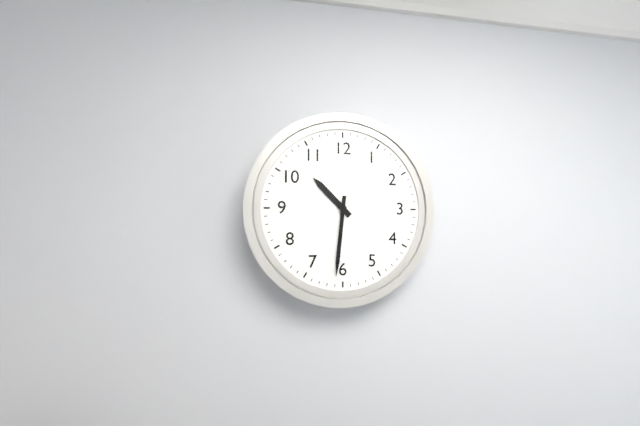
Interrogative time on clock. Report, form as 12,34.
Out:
10,31
